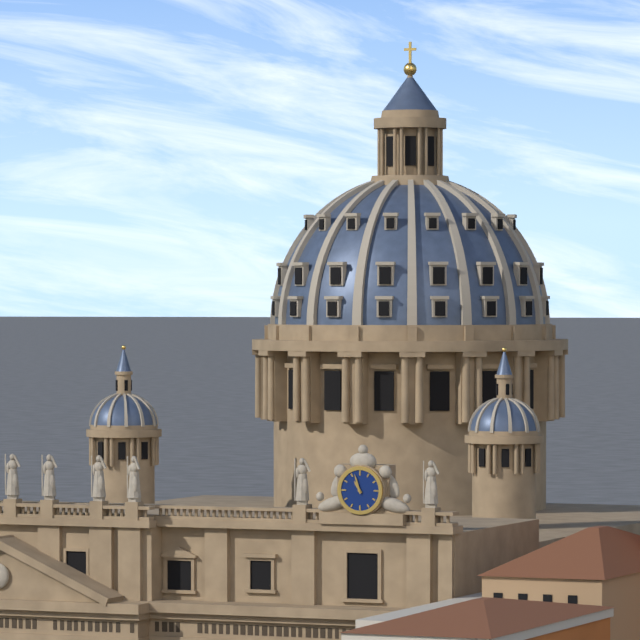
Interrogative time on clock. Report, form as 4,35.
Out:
10,57
